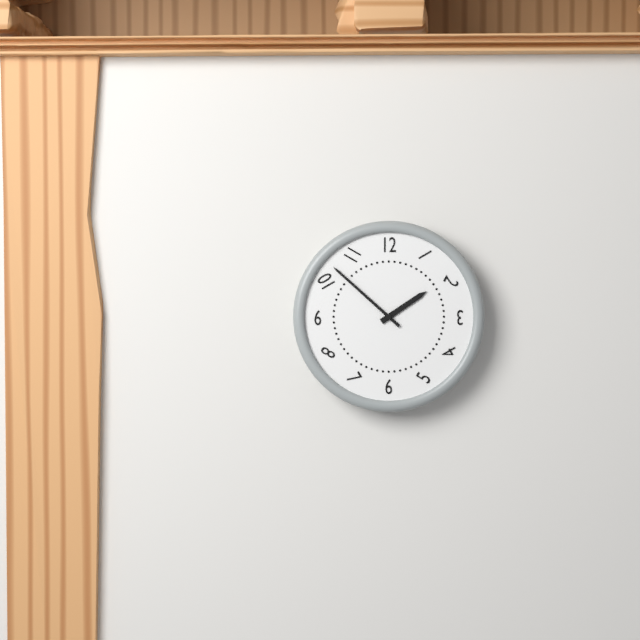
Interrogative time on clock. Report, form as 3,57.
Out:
1,52
